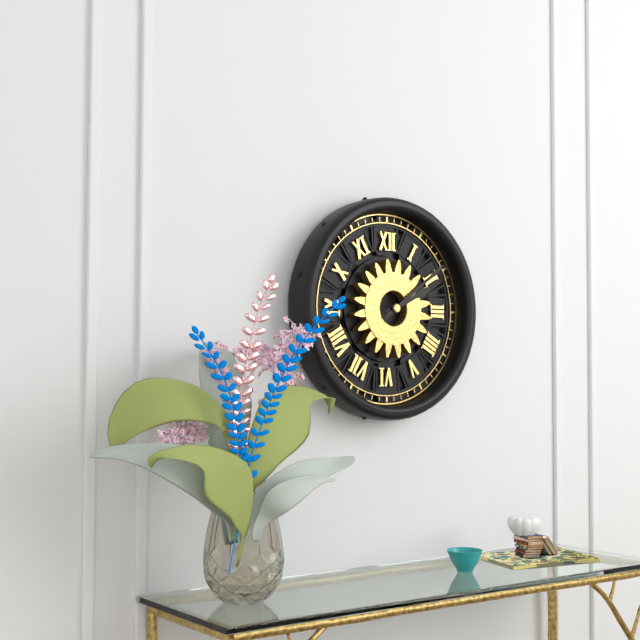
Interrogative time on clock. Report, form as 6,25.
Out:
2,09
